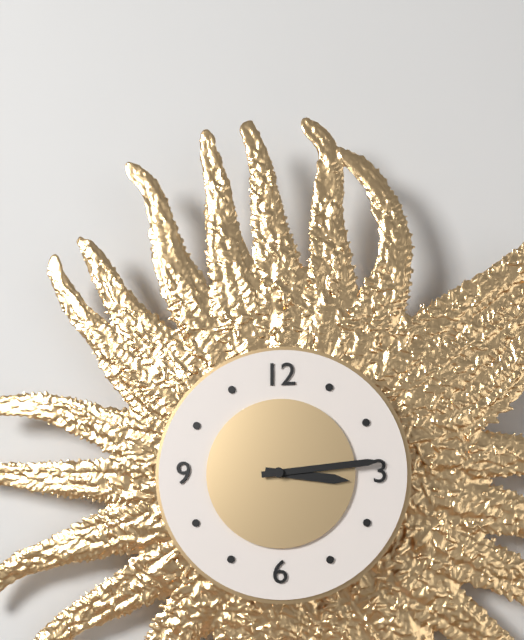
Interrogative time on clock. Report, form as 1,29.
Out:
3,14
